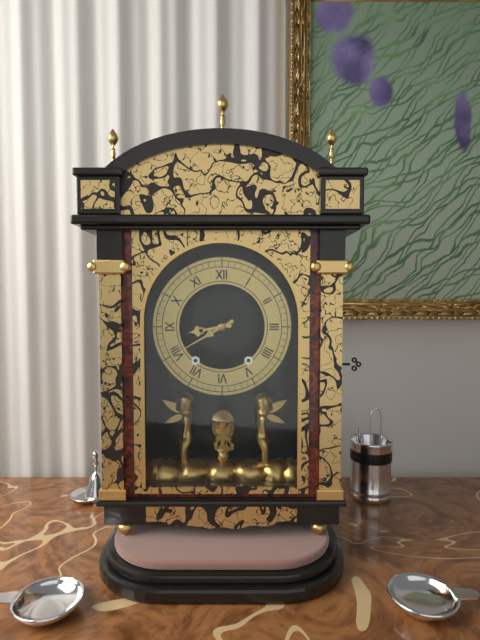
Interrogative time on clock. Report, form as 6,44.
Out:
8,40
